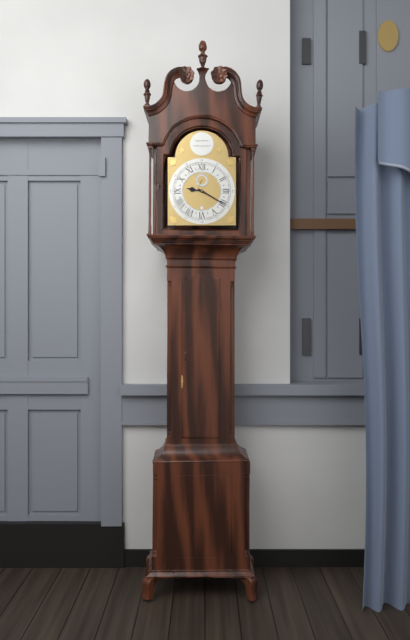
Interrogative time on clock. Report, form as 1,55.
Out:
9,20
